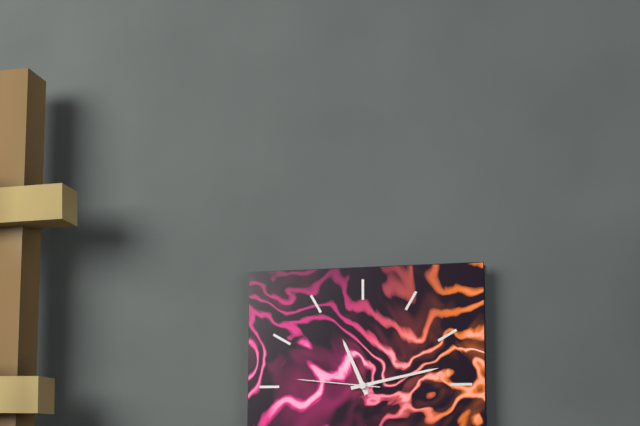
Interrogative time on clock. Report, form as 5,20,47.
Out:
11,13,46
